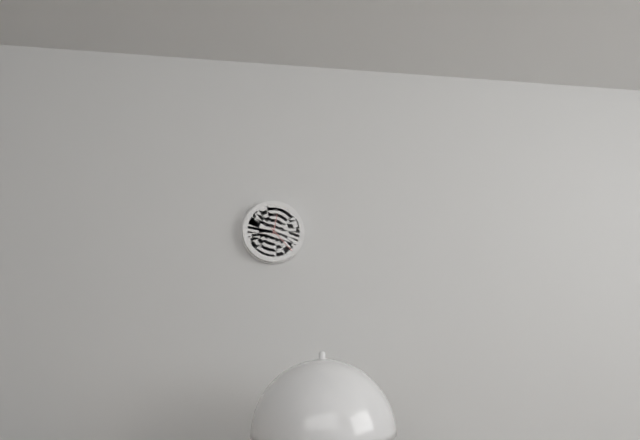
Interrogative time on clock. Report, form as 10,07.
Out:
12,23
